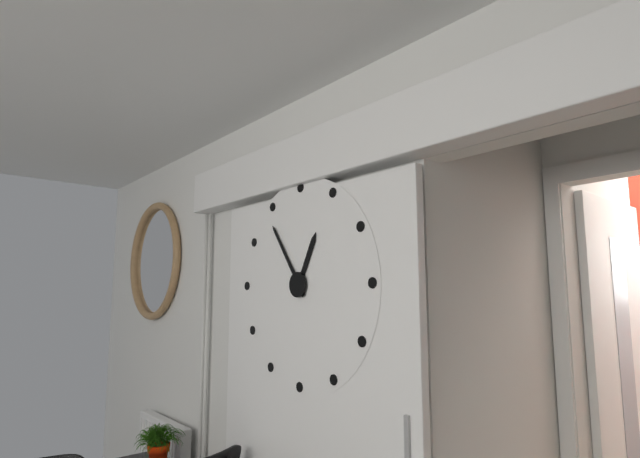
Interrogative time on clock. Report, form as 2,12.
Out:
12,54
